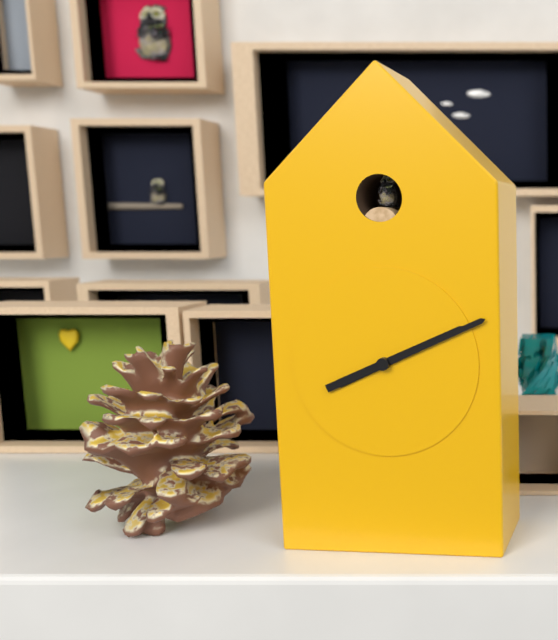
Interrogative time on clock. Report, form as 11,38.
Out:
2,11
